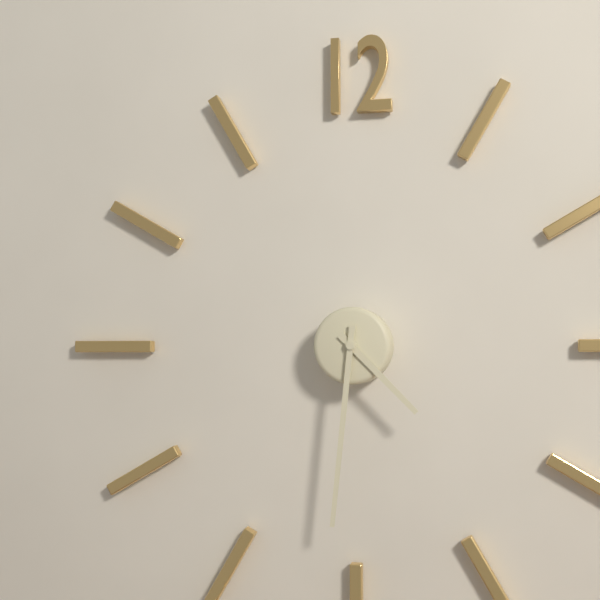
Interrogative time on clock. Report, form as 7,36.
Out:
4,31
